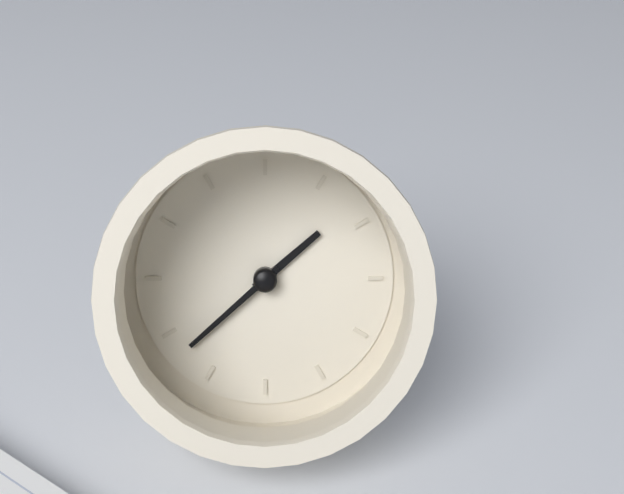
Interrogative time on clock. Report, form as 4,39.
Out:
1,38
